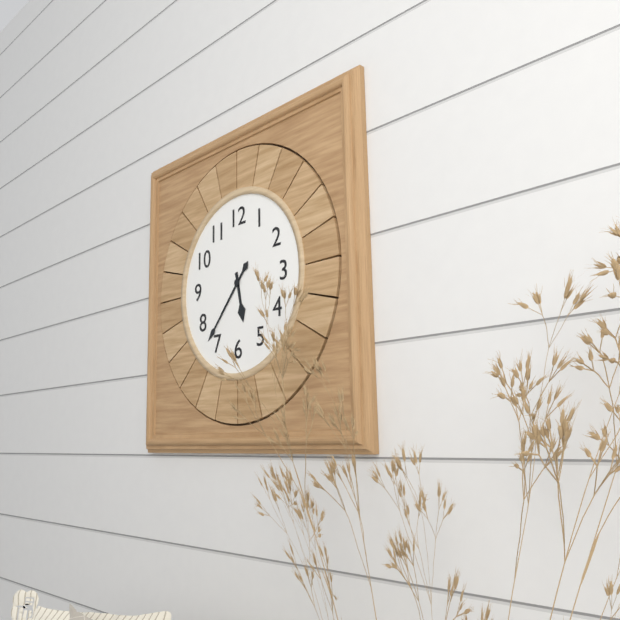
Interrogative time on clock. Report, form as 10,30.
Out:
5,37
